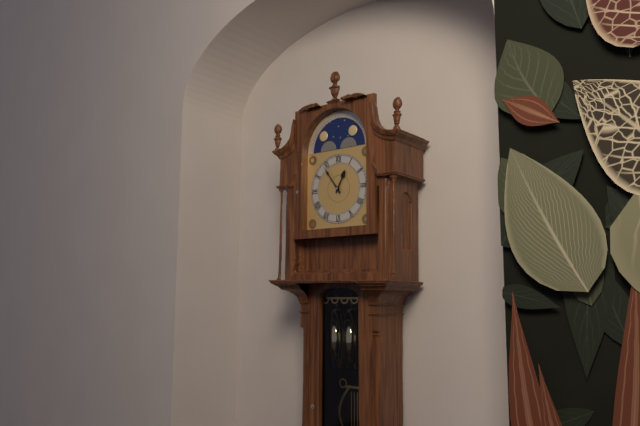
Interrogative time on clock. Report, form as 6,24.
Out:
12,54
